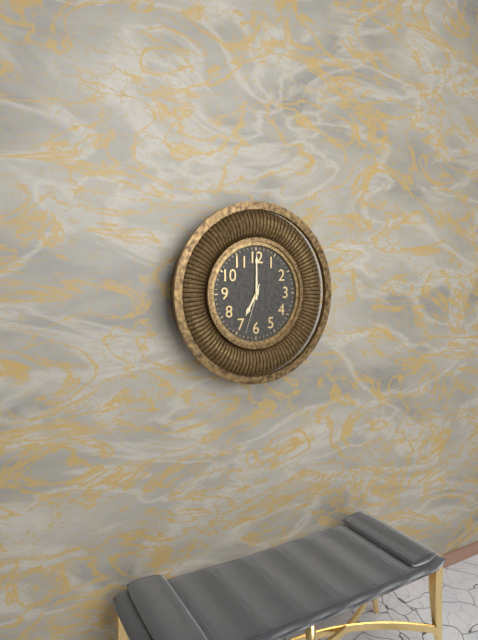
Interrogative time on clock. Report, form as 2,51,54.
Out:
7,00,33
